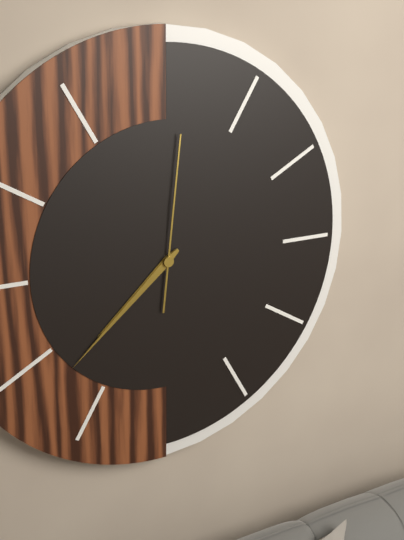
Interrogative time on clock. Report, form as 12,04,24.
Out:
7,38,01
